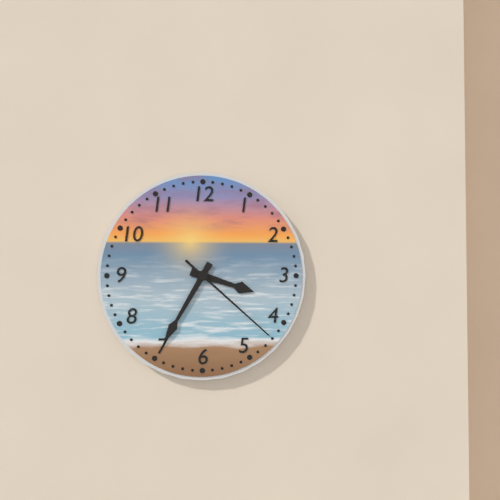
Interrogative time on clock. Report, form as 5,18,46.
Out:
3,35,22
